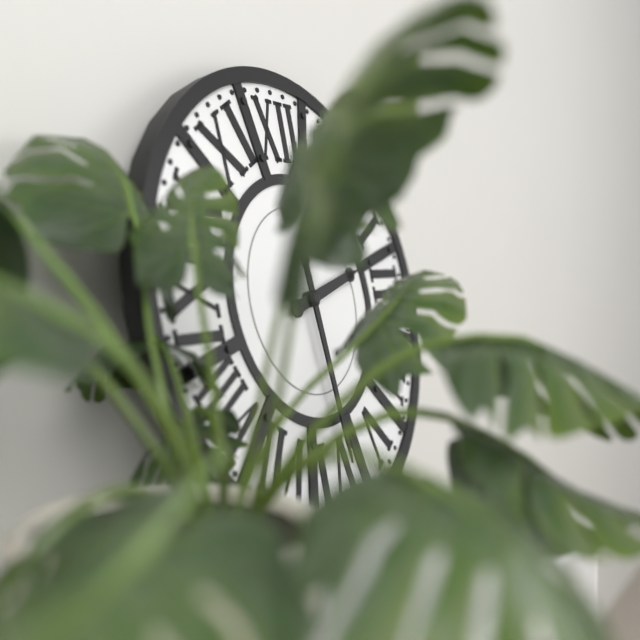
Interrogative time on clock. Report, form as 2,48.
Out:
2,29
